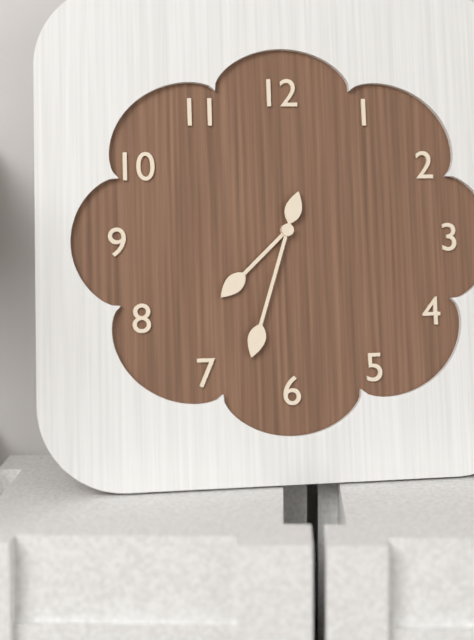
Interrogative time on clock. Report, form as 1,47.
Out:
7,33
